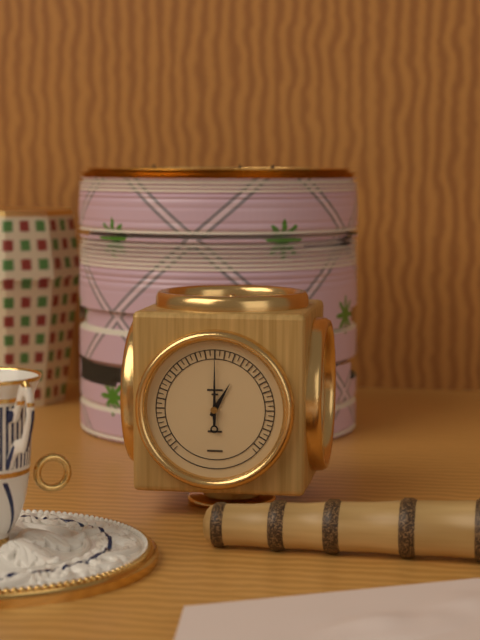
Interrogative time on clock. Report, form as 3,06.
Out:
1,00
